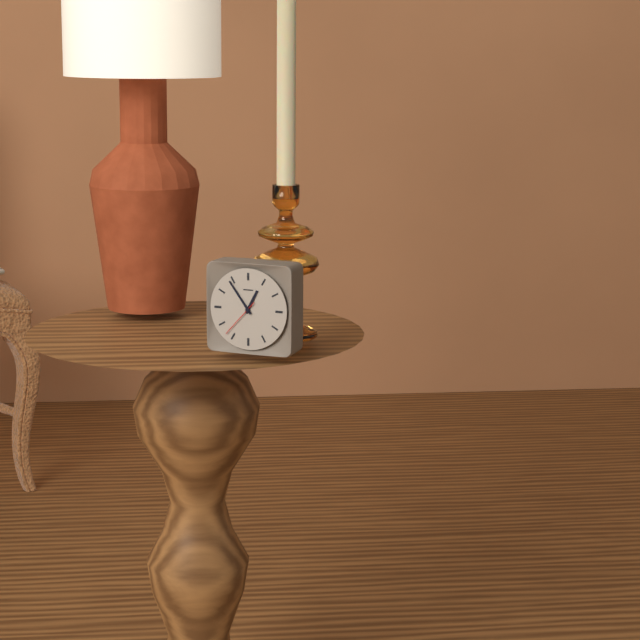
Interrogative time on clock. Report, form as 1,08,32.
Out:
12,54,37
